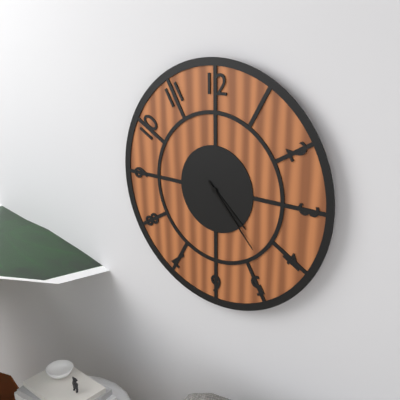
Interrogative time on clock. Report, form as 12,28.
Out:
4,23
